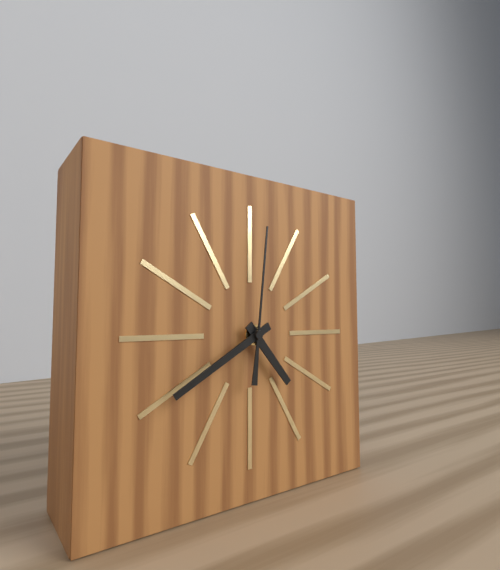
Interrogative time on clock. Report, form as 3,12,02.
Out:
4,40,01
